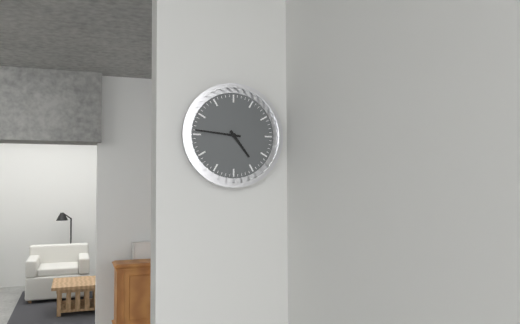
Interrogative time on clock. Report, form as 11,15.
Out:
4,46
